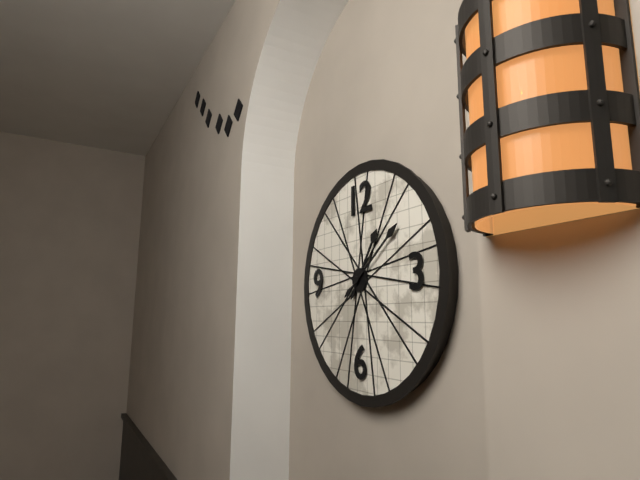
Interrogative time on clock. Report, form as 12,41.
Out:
1,09
